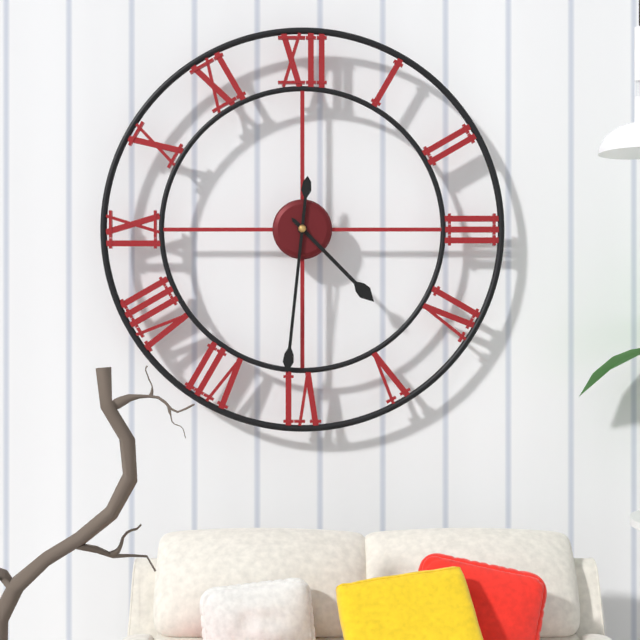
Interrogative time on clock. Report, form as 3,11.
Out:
4,31
